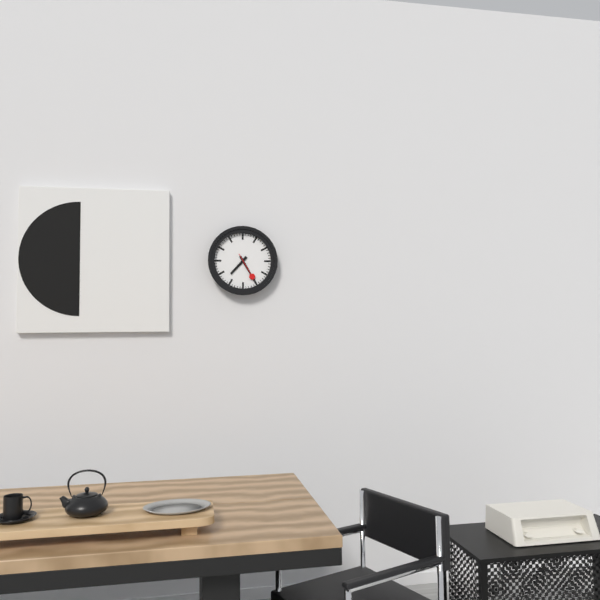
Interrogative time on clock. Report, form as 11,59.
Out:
7,25
